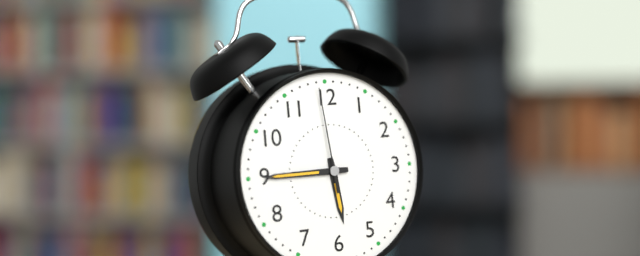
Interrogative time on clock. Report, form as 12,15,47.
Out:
5,45,59
